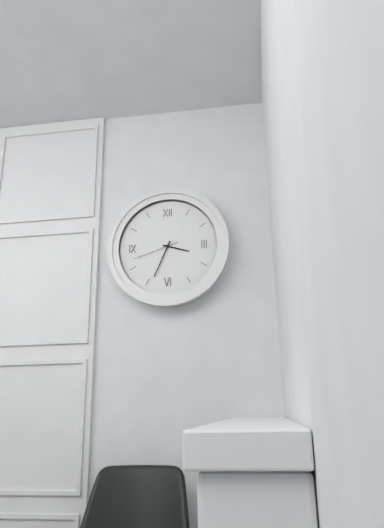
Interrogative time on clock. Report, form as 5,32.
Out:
3,34
